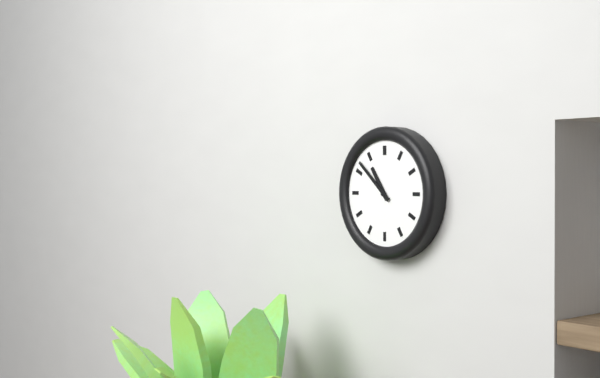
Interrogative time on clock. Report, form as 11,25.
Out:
10,52
